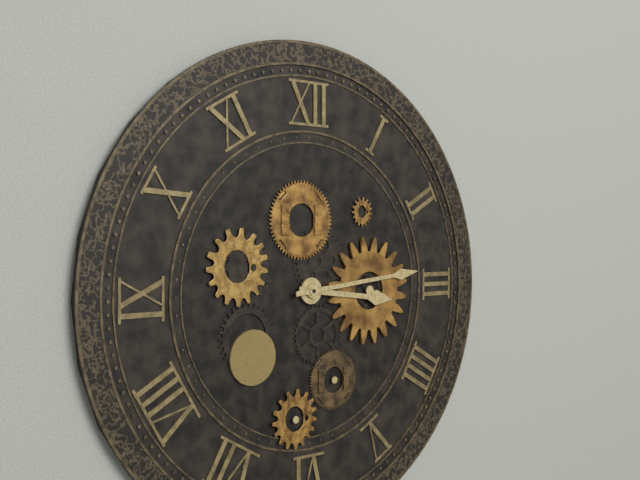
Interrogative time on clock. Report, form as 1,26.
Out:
3,14
